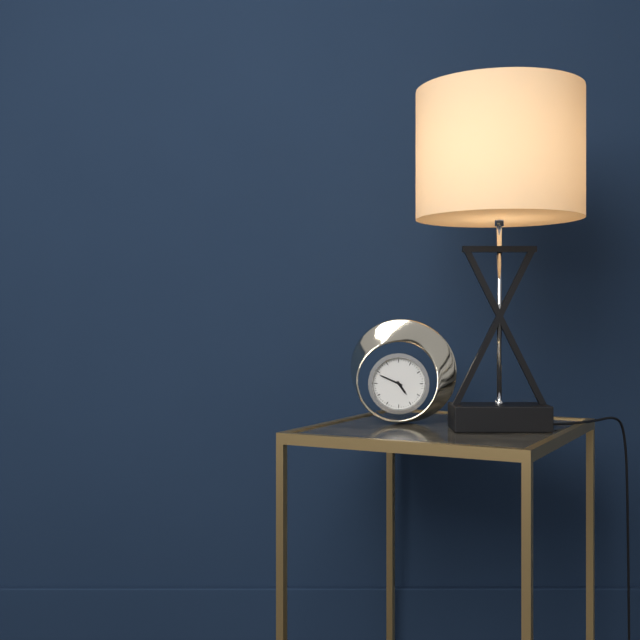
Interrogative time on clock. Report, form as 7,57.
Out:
4,49
